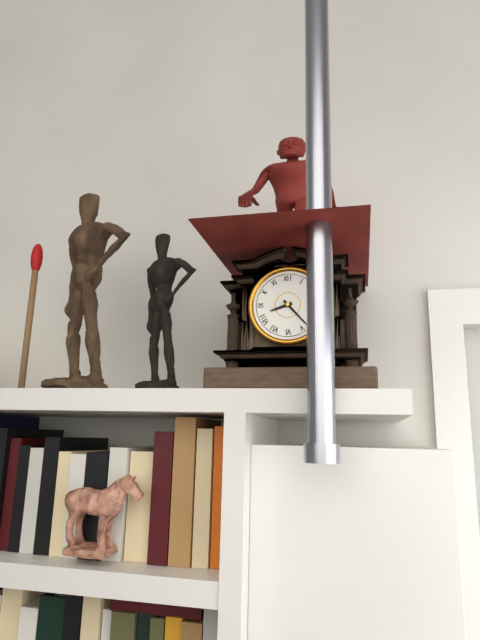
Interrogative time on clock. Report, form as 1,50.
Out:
8,23
